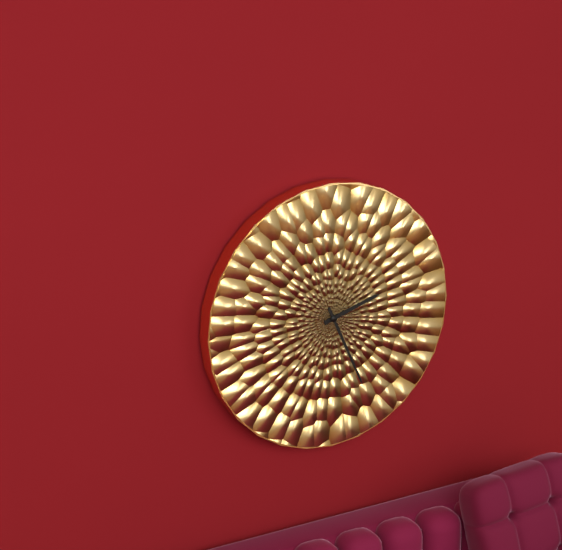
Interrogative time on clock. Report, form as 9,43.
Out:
2,26
